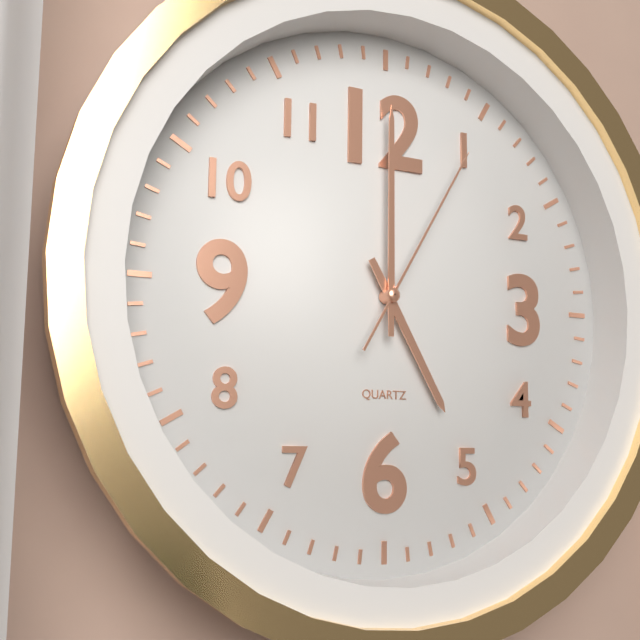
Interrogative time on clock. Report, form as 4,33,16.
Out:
5,00,05
